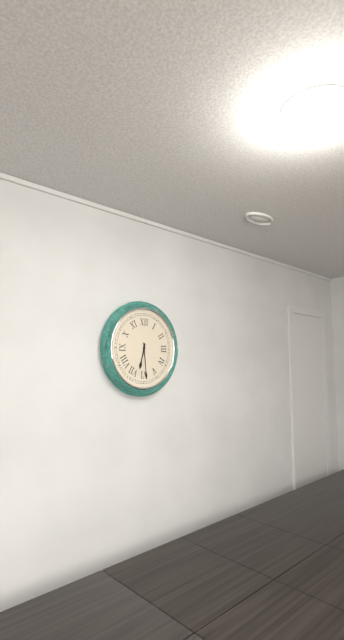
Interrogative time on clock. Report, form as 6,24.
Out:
6,29
